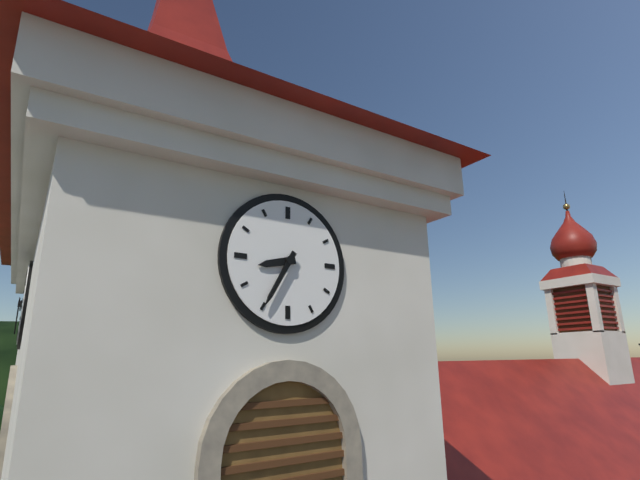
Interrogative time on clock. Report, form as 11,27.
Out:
8,35
